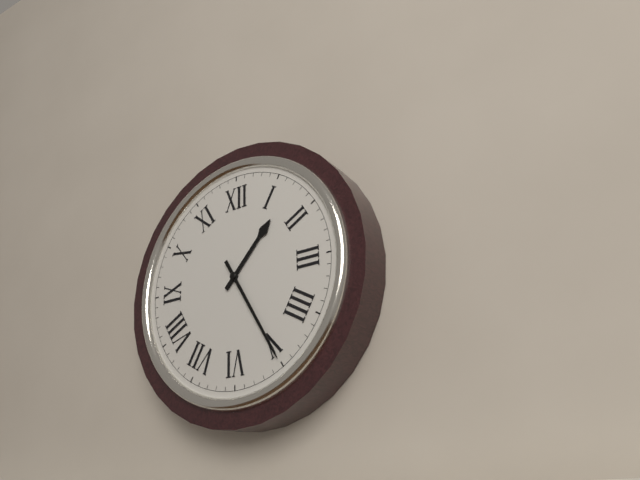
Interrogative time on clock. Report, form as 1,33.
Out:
1,25
